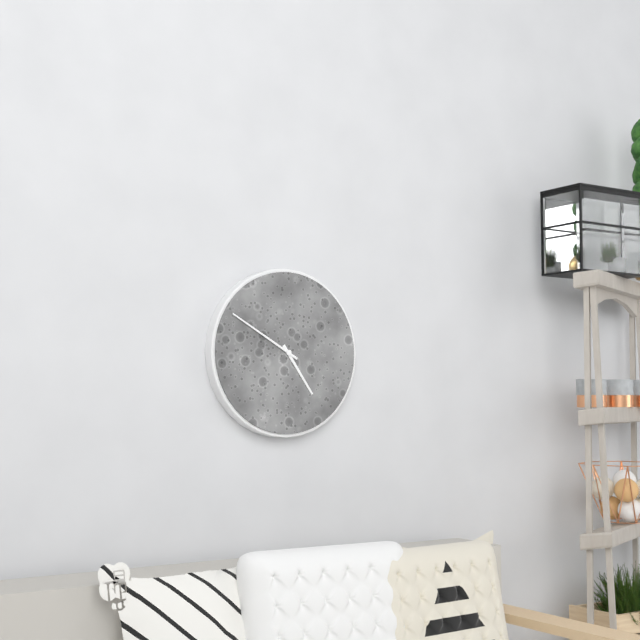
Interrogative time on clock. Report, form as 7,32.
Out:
4,50
